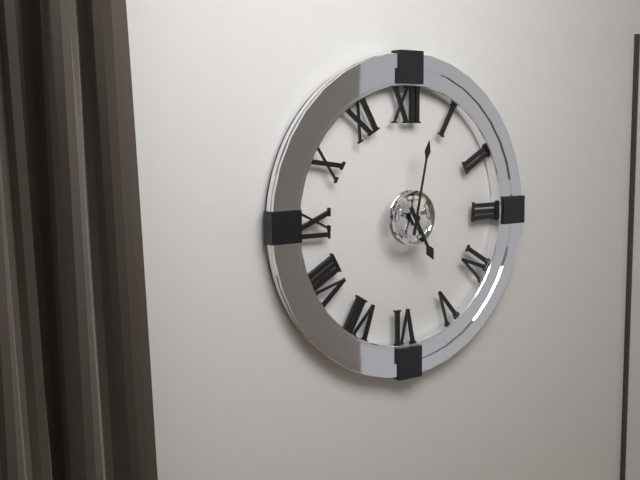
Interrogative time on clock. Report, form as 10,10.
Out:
5,02
